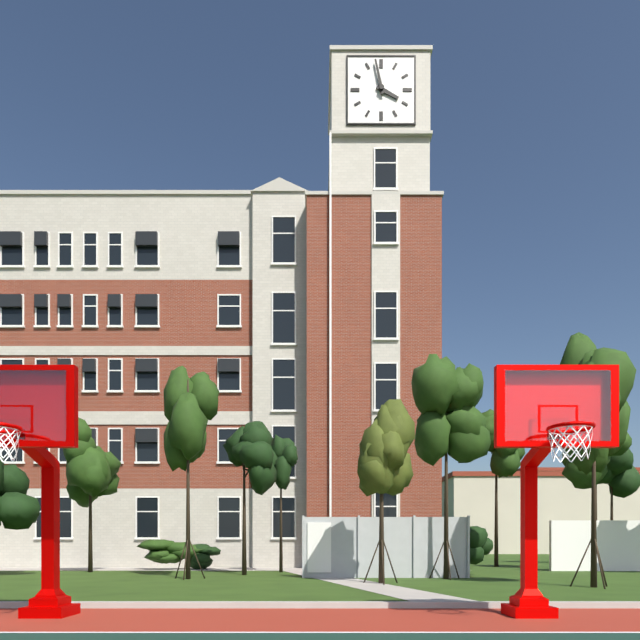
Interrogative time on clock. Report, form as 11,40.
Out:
3,58
